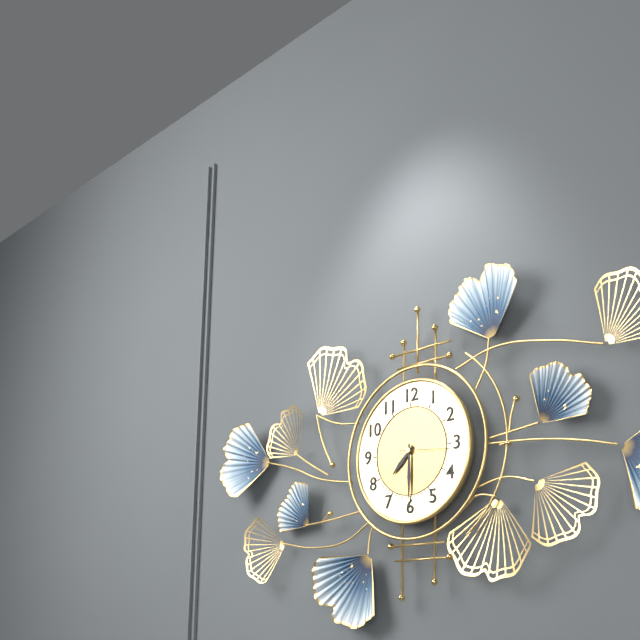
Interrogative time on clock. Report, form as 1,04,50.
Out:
7,30,16
